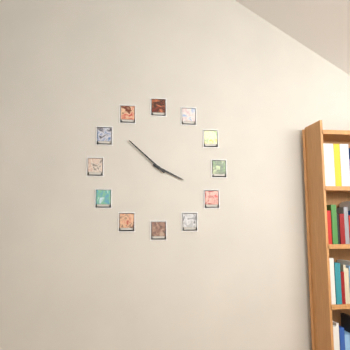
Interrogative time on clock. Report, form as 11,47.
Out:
3,52
